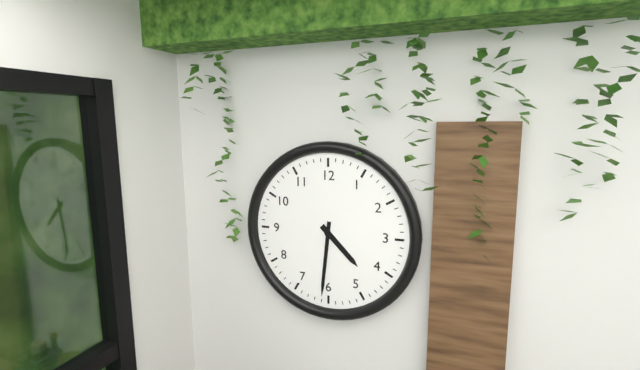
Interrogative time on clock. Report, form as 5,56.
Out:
4,31
